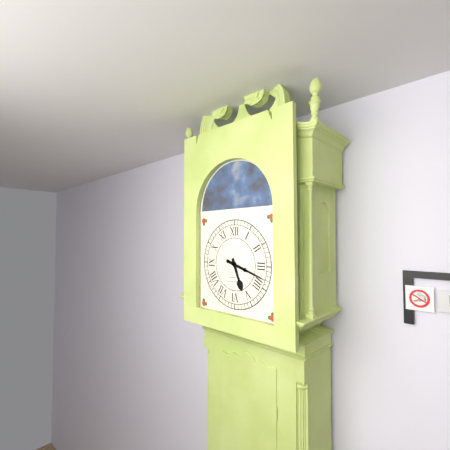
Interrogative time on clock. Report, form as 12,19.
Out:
5,18
